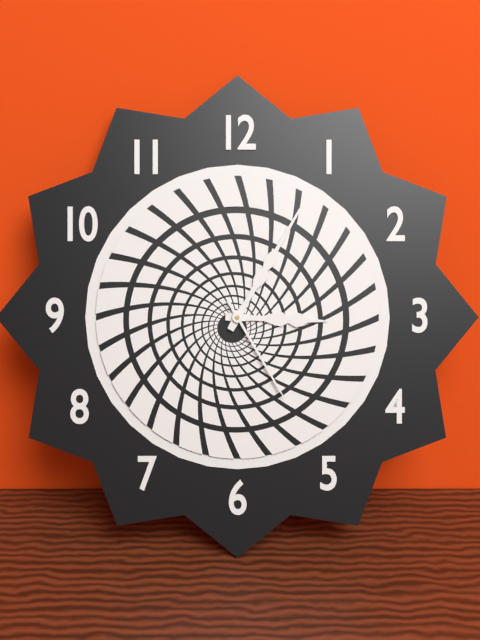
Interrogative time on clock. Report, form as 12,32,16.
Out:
3,05,25
